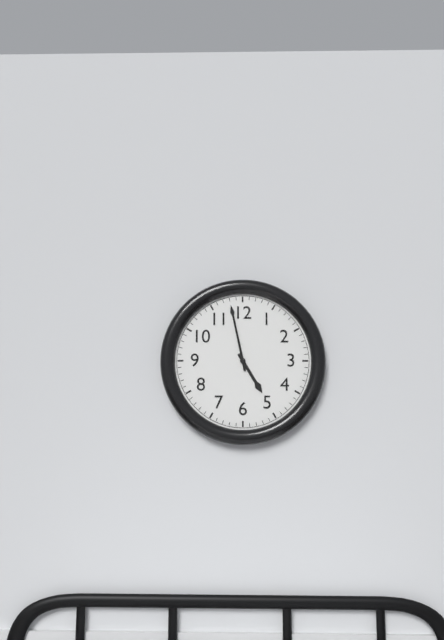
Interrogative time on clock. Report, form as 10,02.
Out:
4,58
